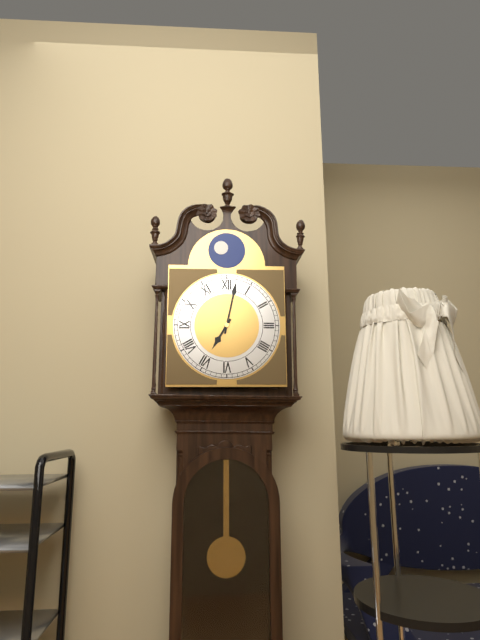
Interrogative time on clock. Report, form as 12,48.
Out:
7,02
